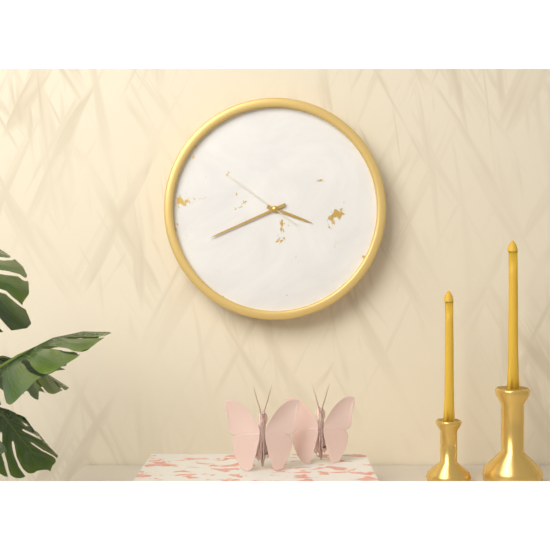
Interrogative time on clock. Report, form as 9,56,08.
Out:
3,41,51
